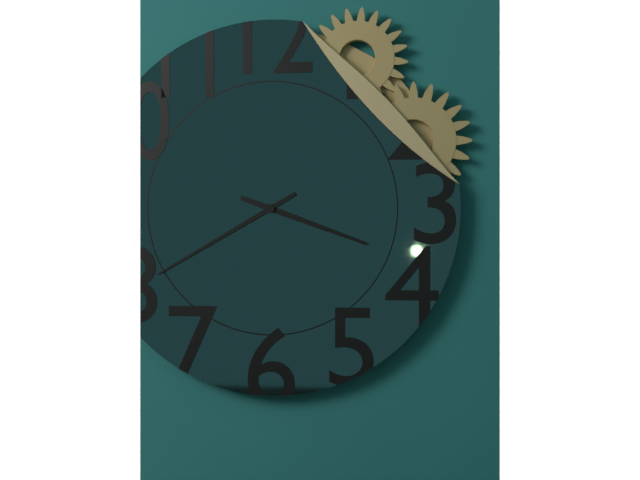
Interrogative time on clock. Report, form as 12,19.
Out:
3,40
